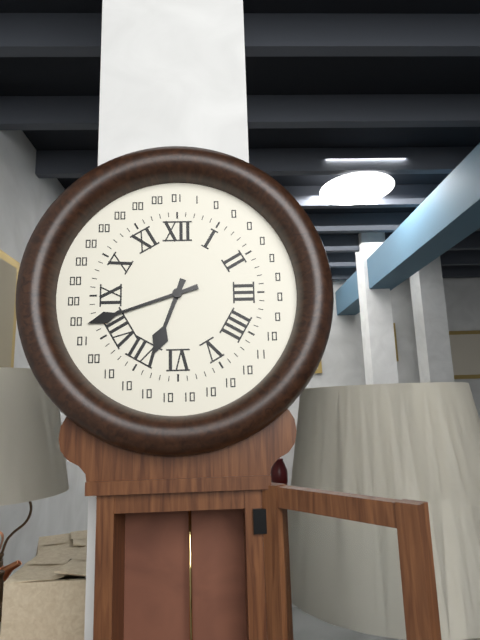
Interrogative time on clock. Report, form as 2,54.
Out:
6,42
